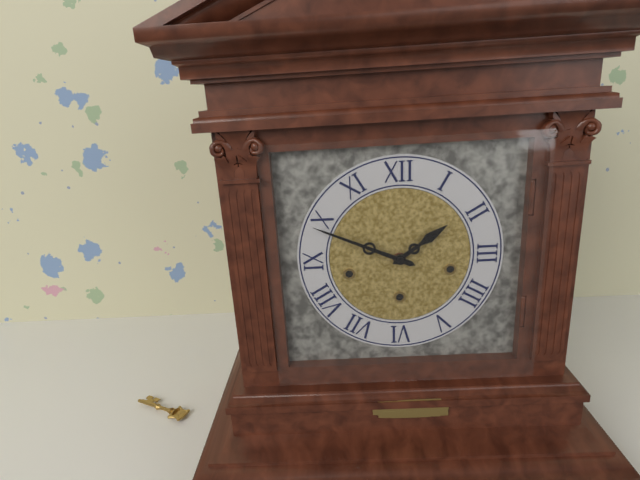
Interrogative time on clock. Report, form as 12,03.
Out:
1,49
